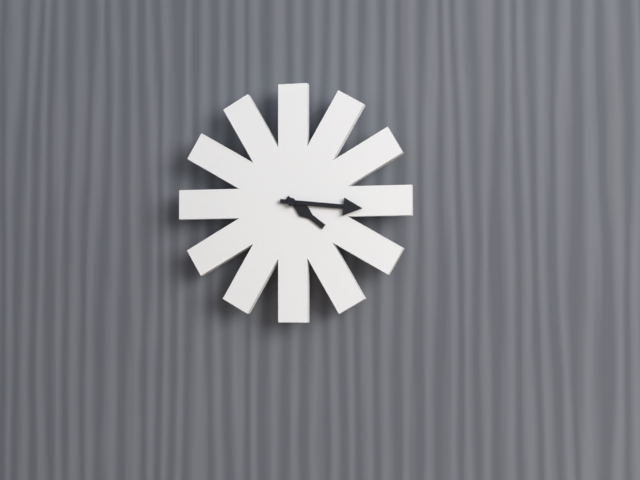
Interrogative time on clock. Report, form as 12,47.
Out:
4,16
